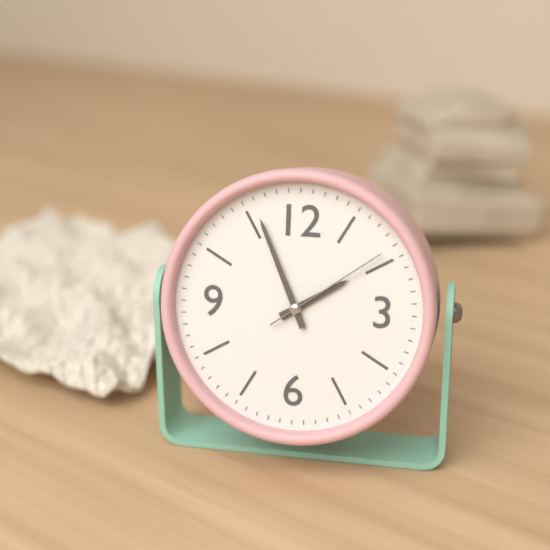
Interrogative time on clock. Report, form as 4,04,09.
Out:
1,56,09
